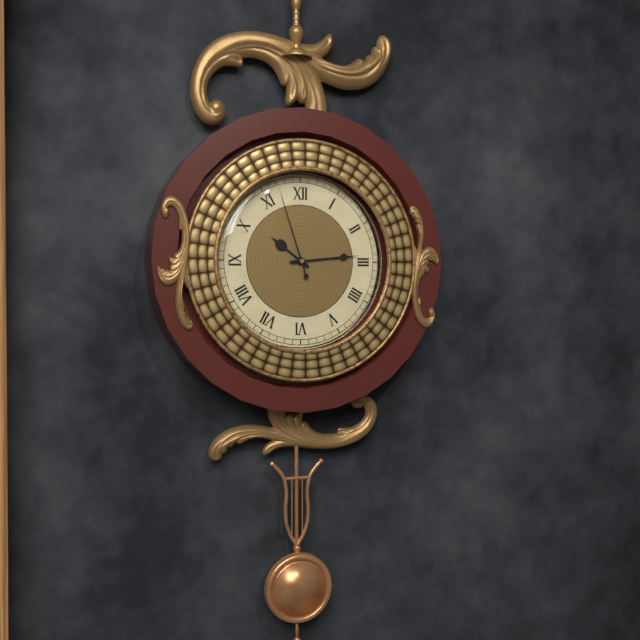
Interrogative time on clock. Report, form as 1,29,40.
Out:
10,14,57
